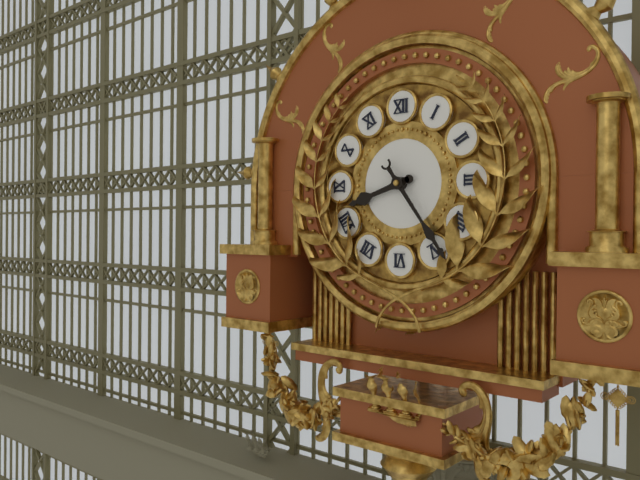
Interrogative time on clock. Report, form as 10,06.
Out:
8,24
